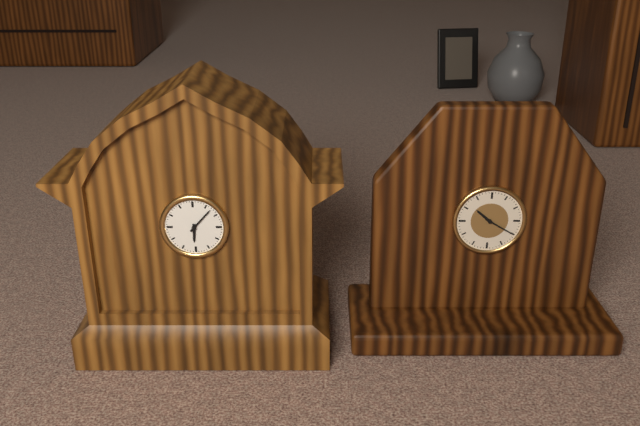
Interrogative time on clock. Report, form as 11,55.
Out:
6,07
